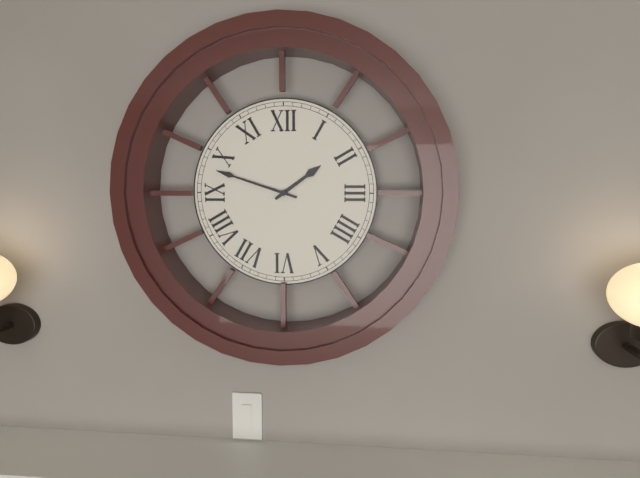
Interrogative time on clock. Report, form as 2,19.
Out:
1,48
